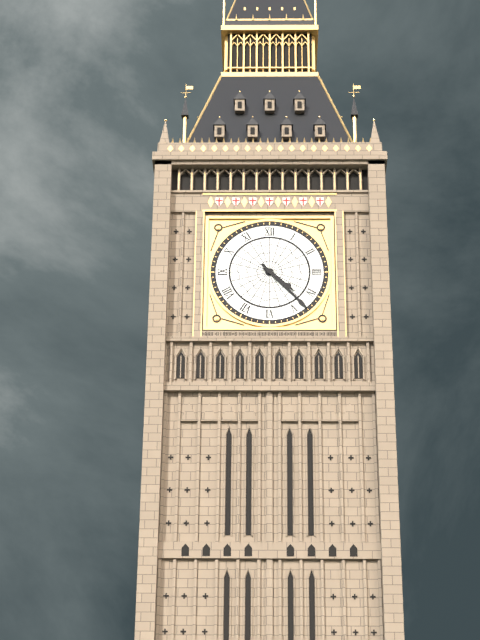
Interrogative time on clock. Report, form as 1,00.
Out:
4,23
